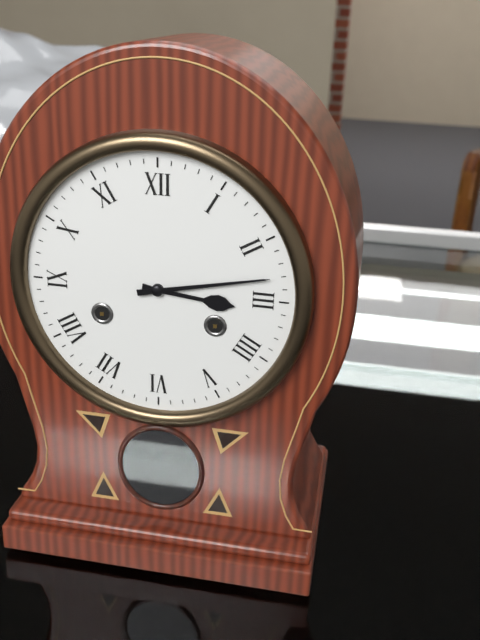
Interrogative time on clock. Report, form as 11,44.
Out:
3,13
